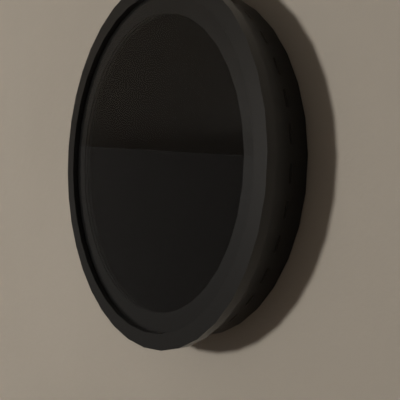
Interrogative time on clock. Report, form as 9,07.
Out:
7,34
